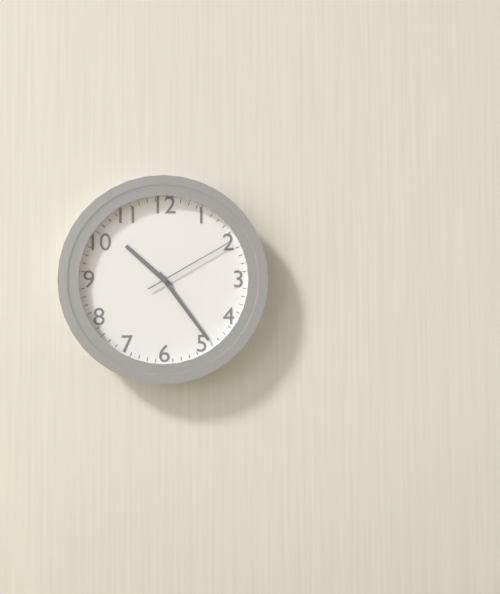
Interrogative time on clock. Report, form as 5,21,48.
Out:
10,24,10
